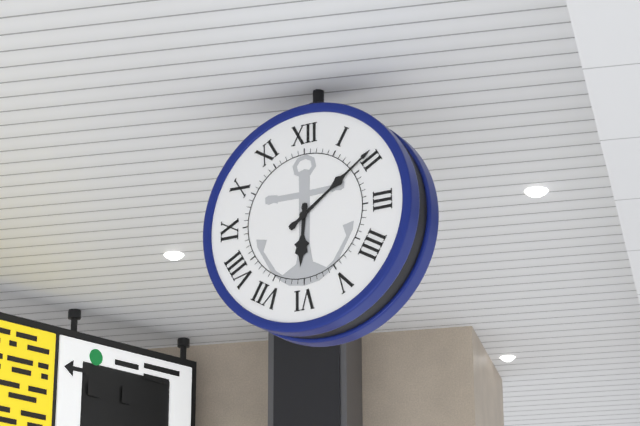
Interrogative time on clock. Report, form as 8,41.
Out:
6,09
